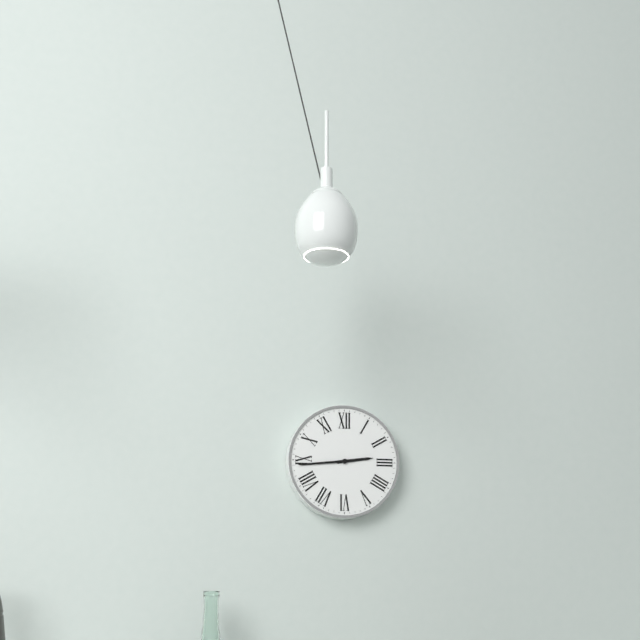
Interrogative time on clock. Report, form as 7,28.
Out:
2,44
